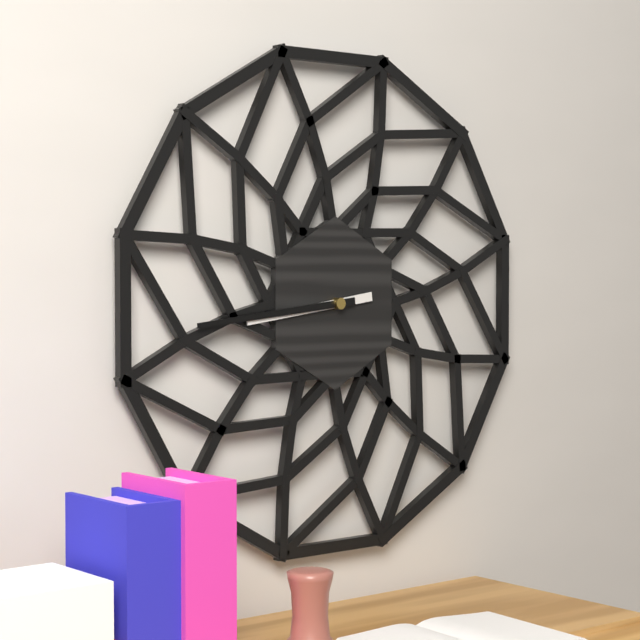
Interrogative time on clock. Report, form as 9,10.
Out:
8,44
